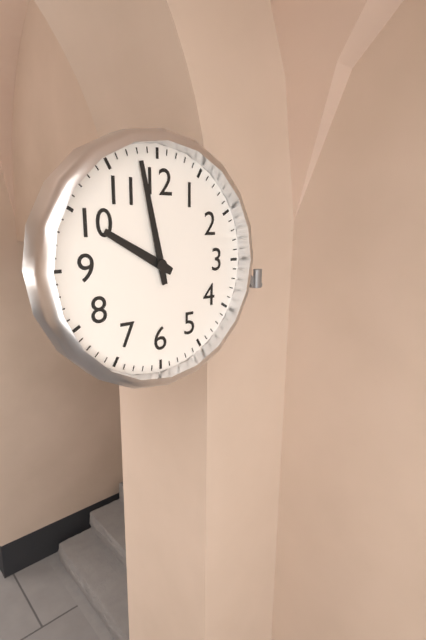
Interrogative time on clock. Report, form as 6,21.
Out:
9,58
